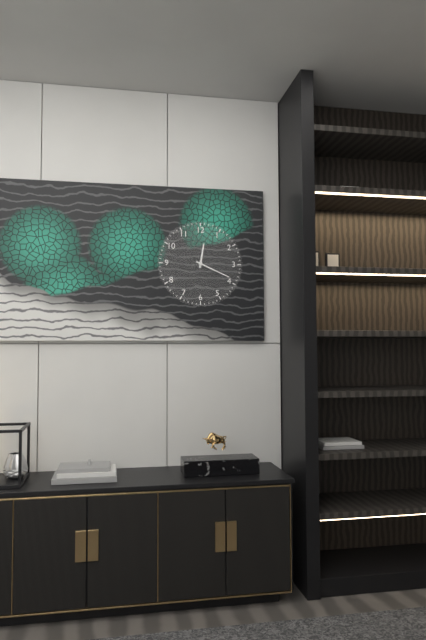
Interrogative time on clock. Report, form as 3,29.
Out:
12,19
